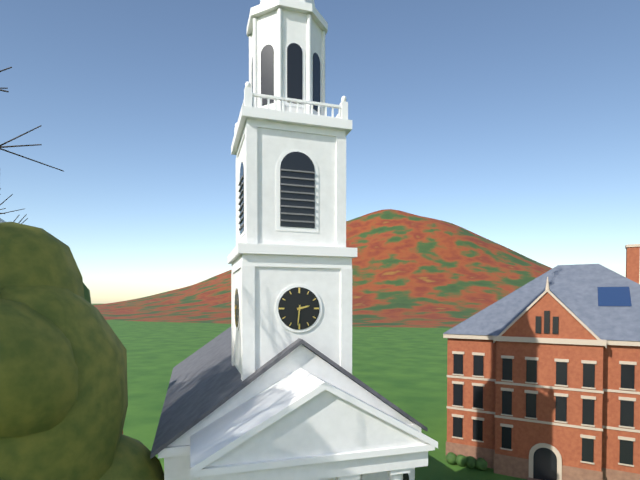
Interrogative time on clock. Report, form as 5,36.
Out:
2,31
